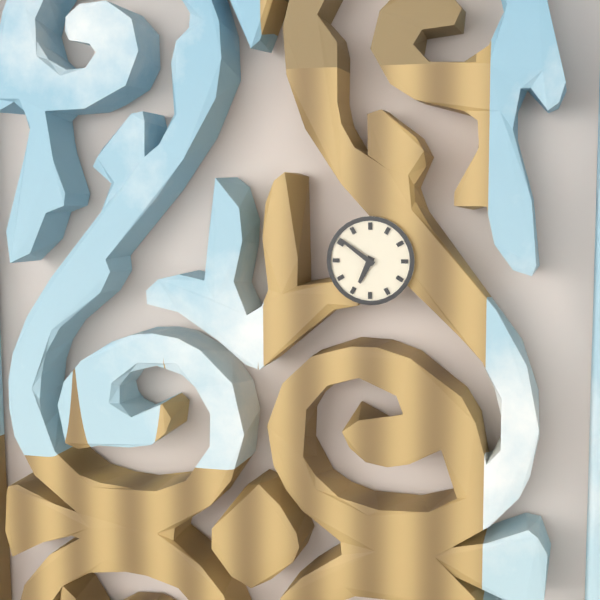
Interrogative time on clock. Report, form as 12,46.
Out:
6,51
